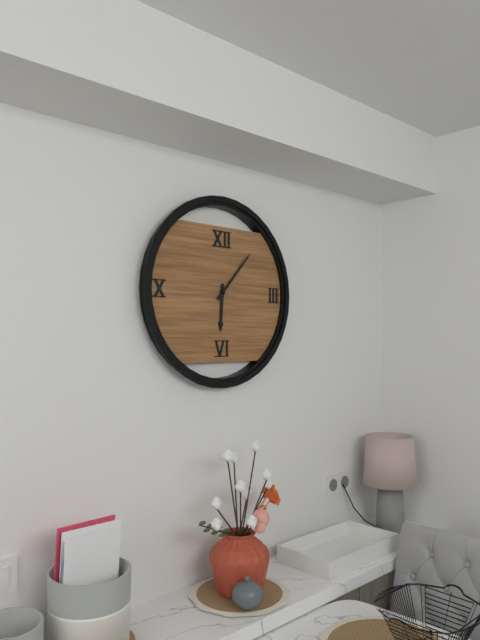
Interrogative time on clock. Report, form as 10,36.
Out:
6,07
